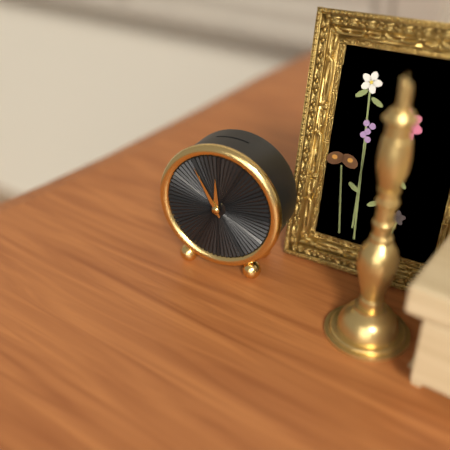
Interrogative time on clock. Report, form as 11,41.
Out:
11,55
